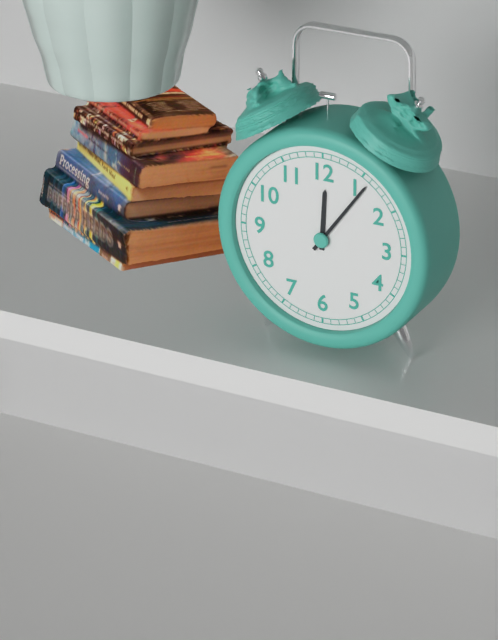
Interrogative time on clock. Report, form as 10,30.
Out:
12,06
